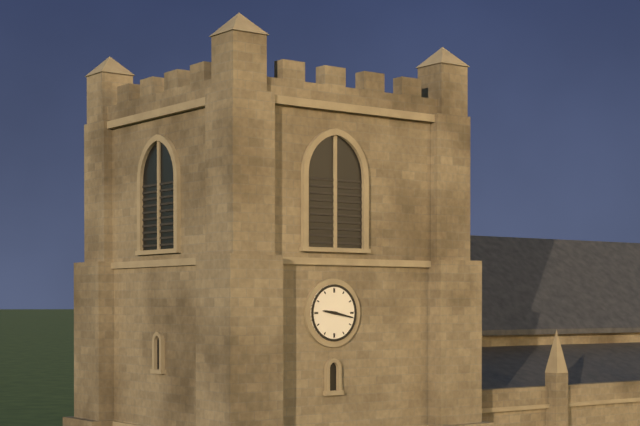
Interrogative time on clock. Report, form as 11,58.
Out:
9,17
